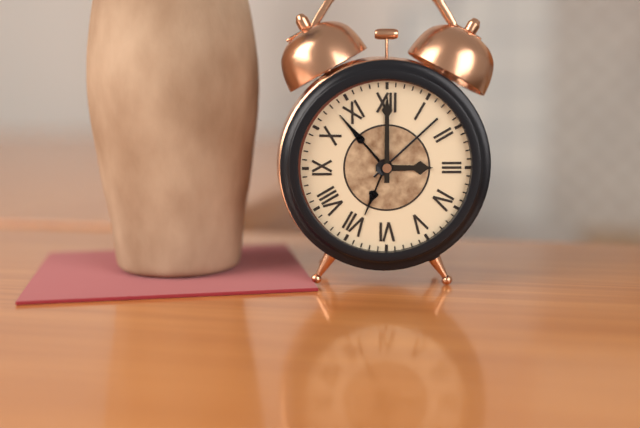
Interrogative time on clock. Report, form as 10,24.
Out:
3,00
